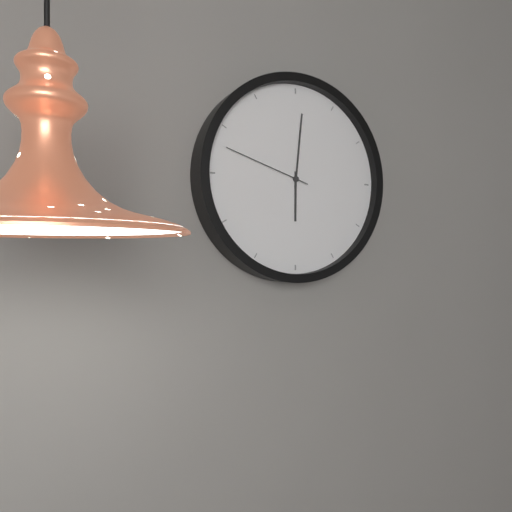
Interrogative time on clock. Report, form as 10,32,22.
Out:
6,01,48
